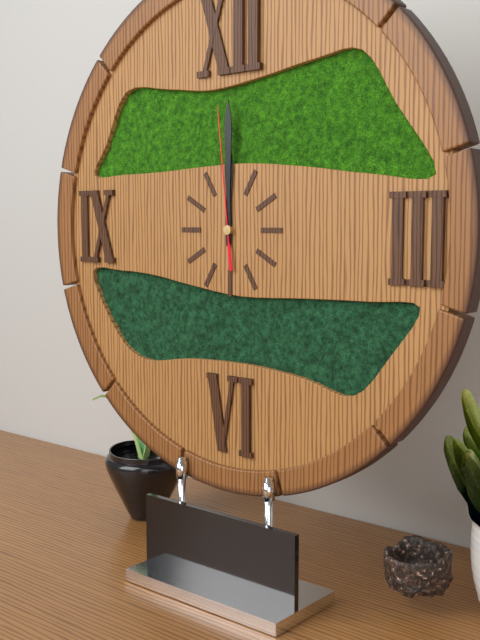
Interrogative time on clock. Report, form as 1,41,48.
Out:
12,00,59
